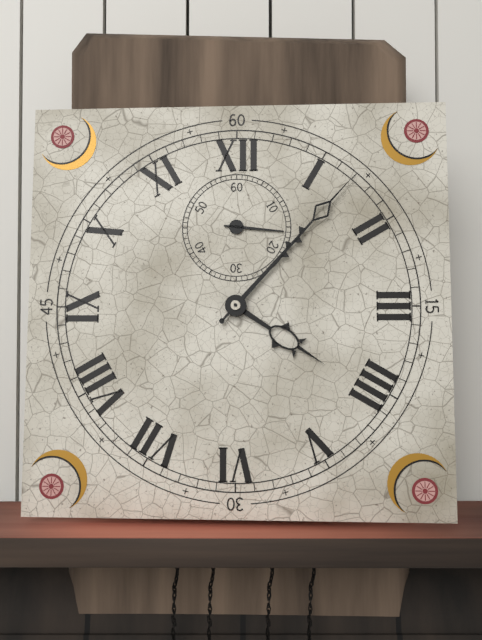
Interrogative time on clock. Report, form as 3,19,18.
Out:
4,07,16
